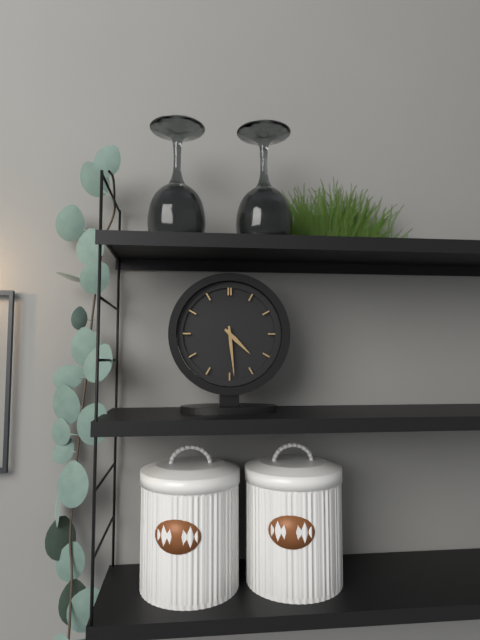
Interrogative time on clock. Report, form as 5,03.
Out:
4,29
